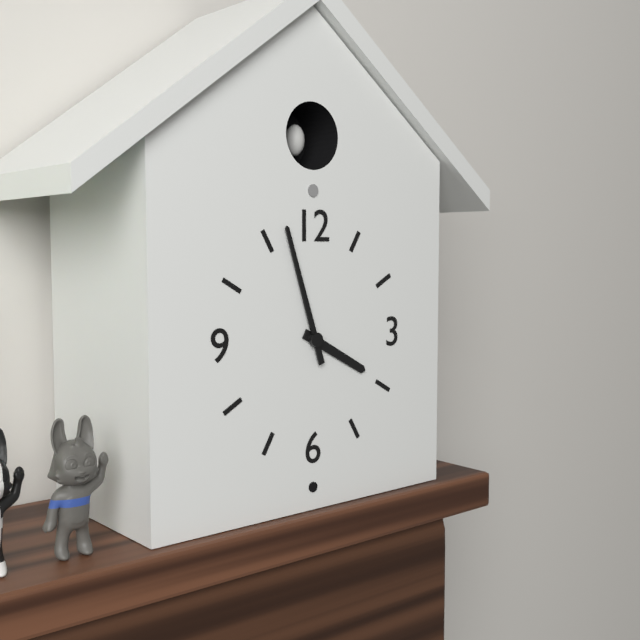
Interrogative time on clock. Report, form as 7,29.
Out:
3,57
